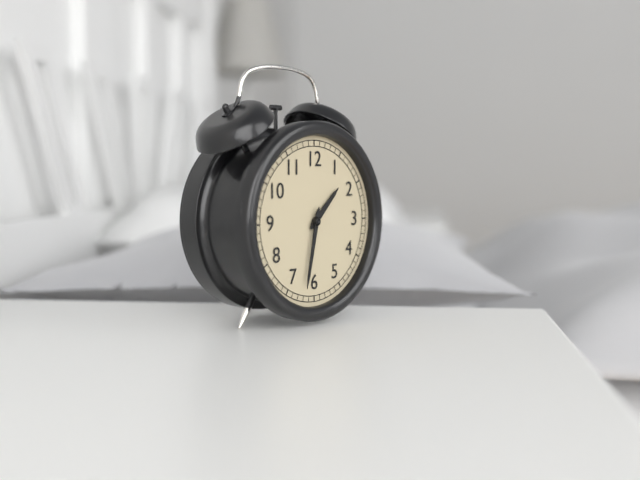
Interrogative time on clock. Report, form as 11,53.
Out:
1,32
